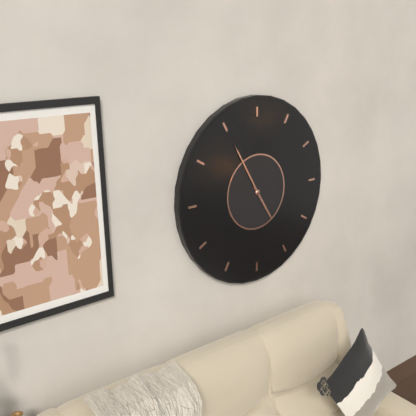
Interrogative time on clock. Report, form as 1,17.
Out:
4,55
